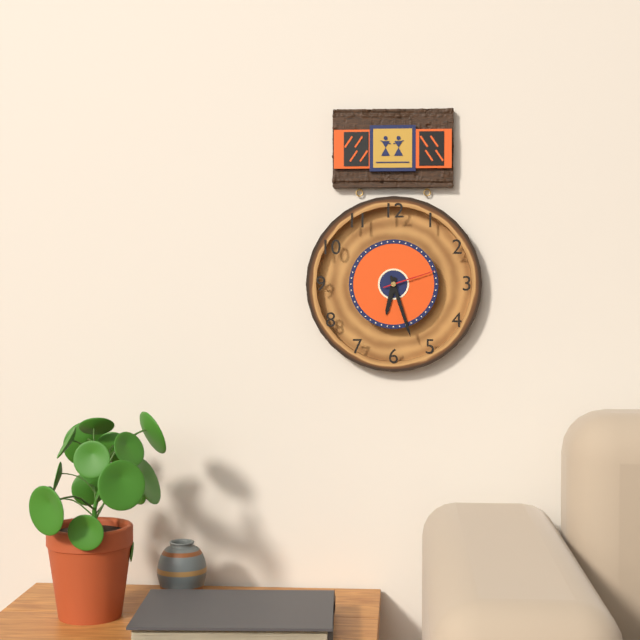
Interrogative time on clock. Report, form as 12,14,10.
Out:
6,27,12
